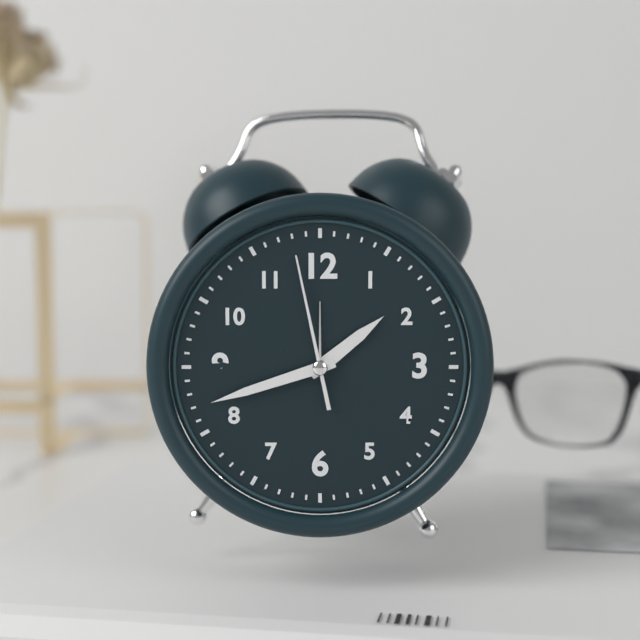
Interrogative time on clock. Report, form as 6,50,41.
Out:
1,42,58
